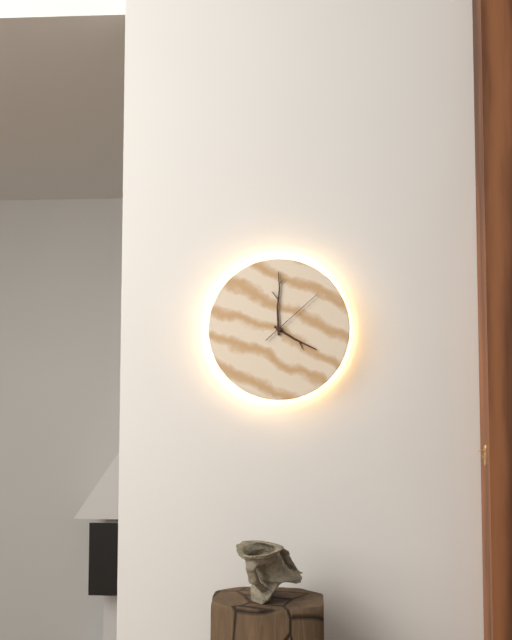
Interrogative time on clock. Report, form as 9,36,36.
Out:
4,00,08
